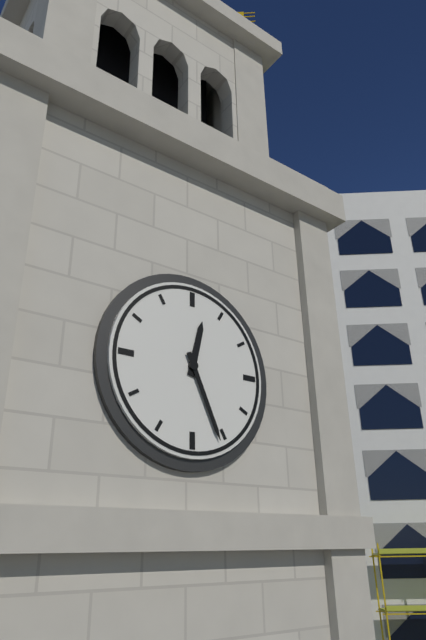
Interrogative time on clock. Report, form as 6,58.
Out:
12,26
